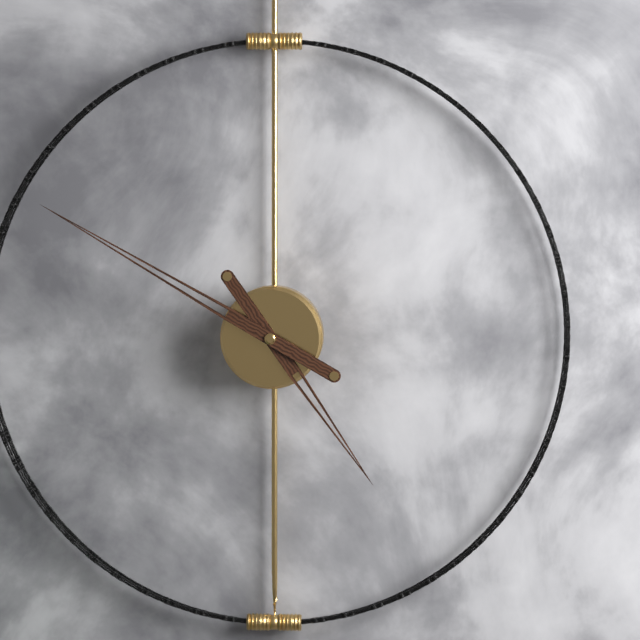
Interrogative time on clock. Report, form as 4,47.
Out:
4,50
